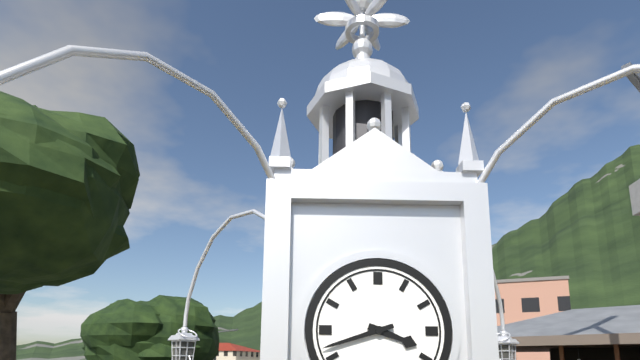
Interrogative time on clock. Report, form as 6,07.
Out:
3,42
